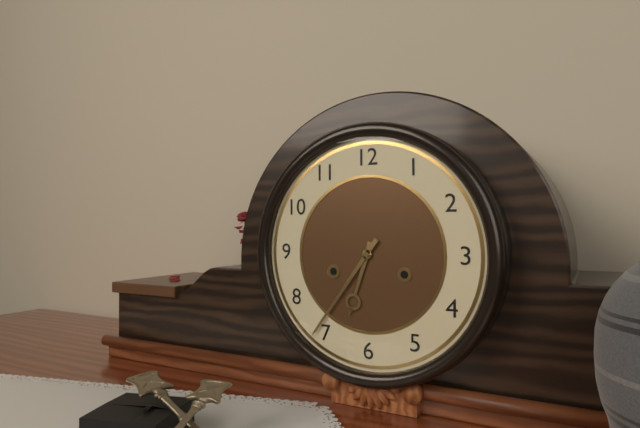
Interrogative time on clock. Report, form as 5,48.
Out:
6,36
